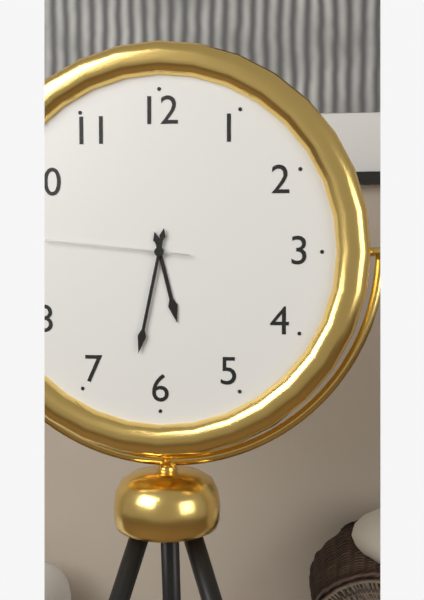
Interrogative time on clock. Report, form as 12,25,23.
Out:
5,32,46
